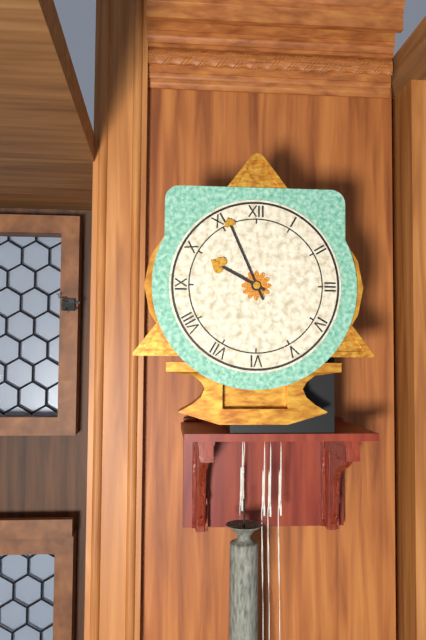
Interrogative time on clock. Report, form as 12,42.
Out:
9,56
